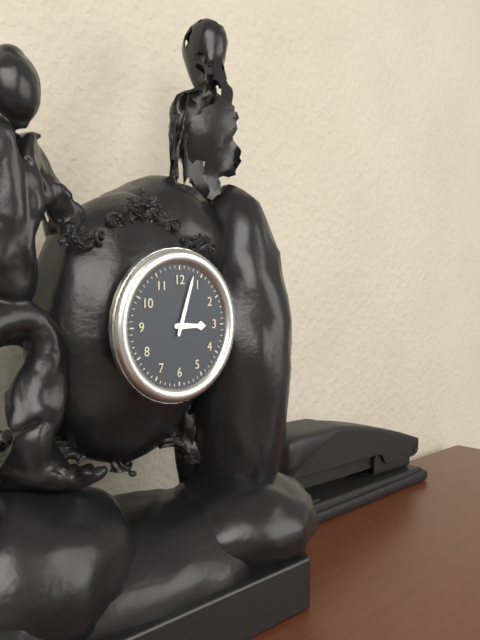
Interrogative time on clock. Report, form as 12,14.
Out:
3,03
